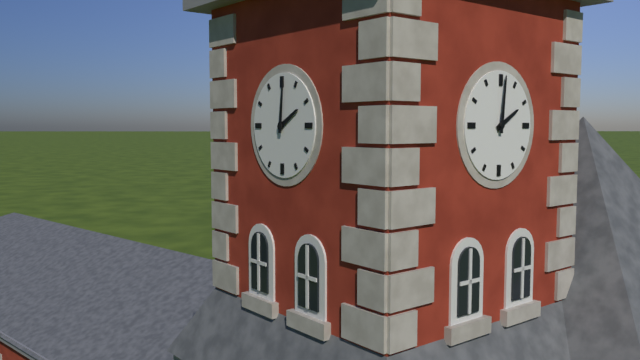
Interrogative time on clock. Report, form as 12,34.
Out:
2,01
